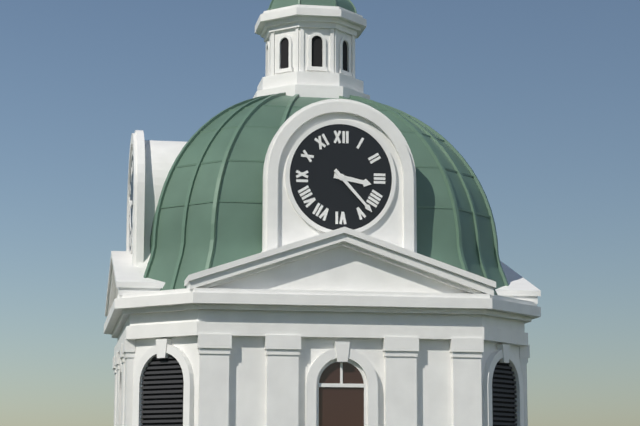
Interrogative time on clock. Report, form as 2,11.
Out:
3,23
